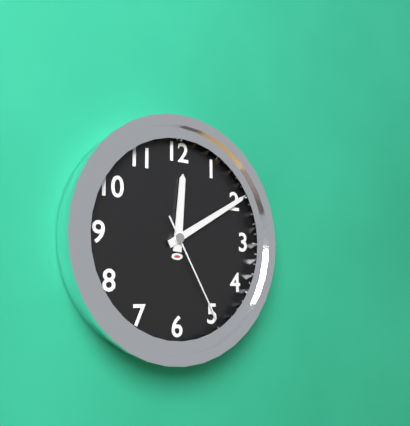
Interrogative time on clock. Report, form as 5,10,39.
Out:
12,10,25
